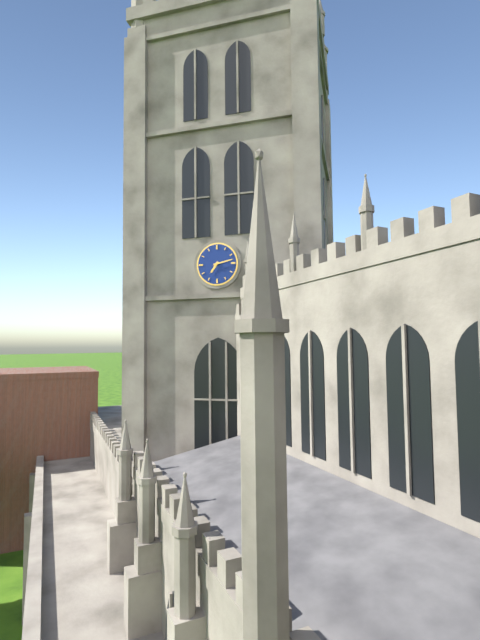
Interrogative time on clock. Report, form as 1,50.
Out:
7,13
